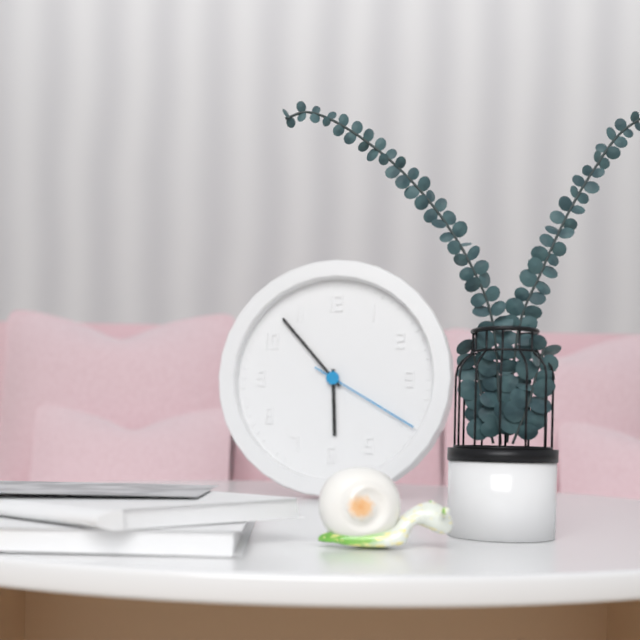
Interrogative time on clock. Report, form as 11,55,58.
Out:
5,53,20
